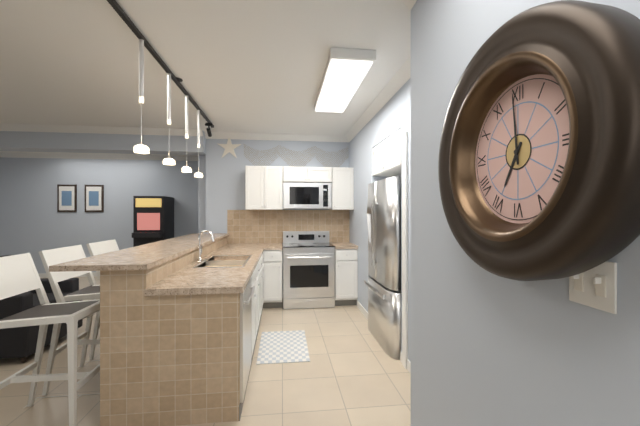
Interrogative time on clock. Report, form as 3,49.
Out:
6,59
